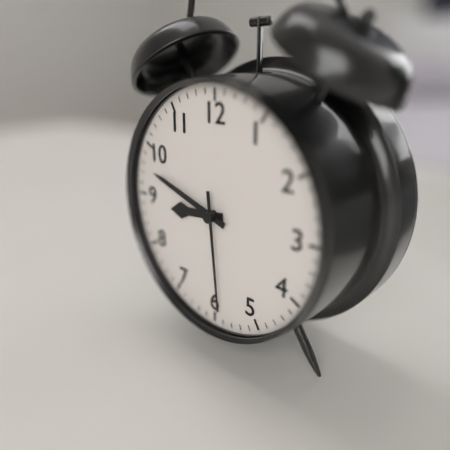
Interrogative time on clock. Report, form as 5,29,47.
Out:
8,48,29
